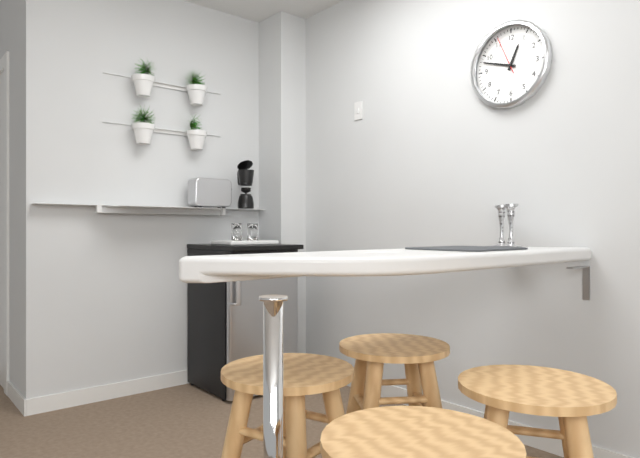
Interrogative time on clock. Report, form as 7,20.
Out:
12,48
